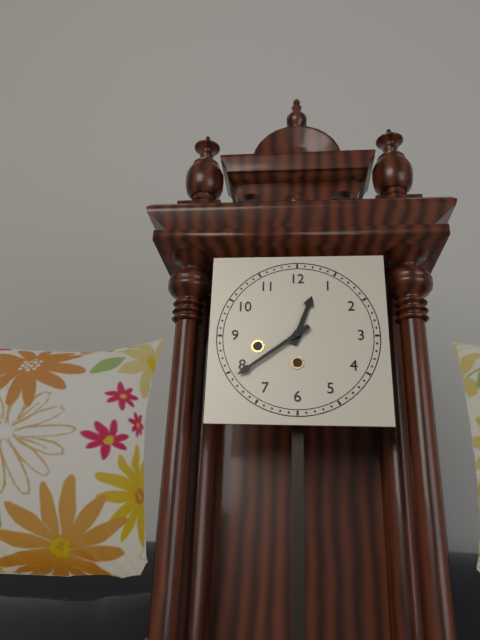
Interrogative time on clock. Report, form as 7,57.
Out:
12,39
